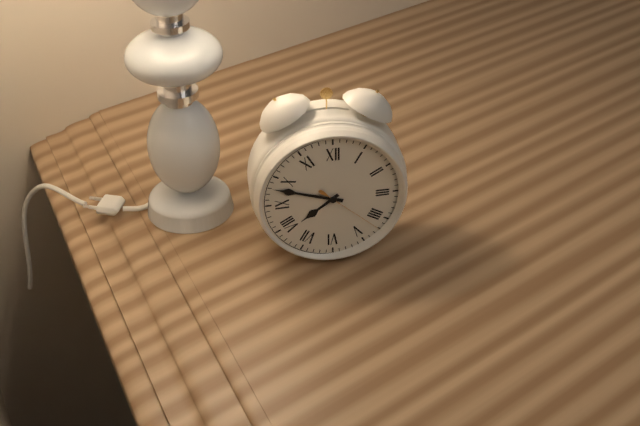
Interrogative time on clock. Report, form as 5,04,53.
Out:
7,48,22
